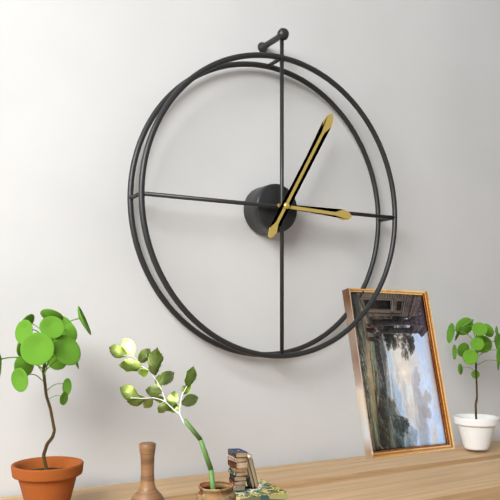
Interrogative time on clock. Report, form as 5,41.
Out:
3,05
